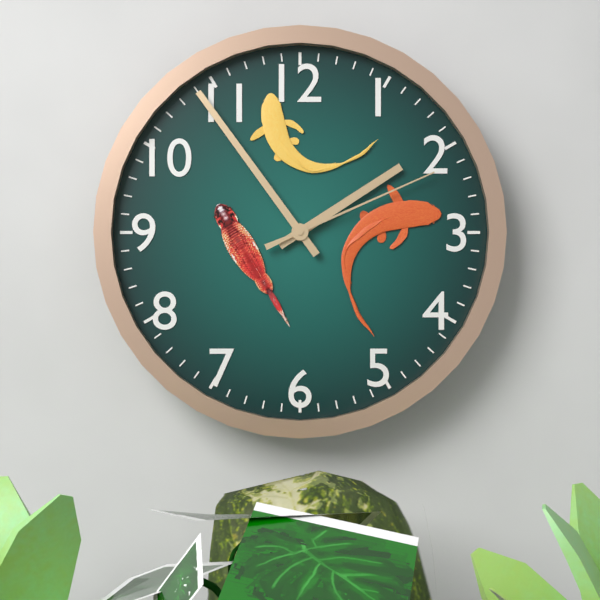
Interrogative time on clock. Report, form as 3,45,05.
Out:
1,54,11
